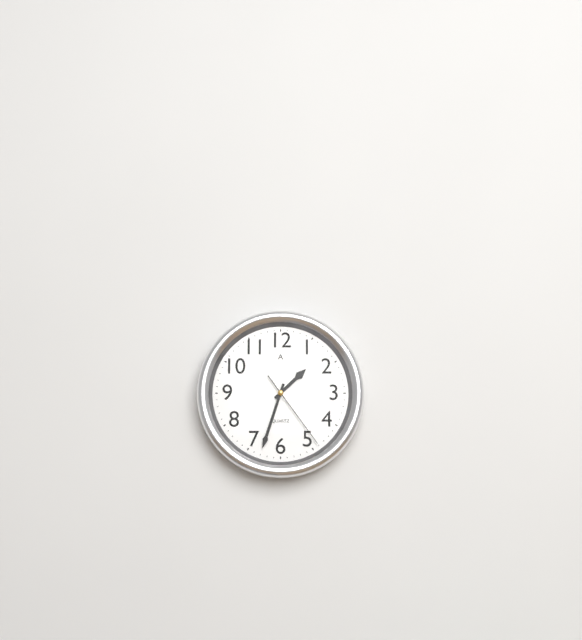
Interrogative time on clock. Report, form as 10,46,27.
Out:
1,33,24
